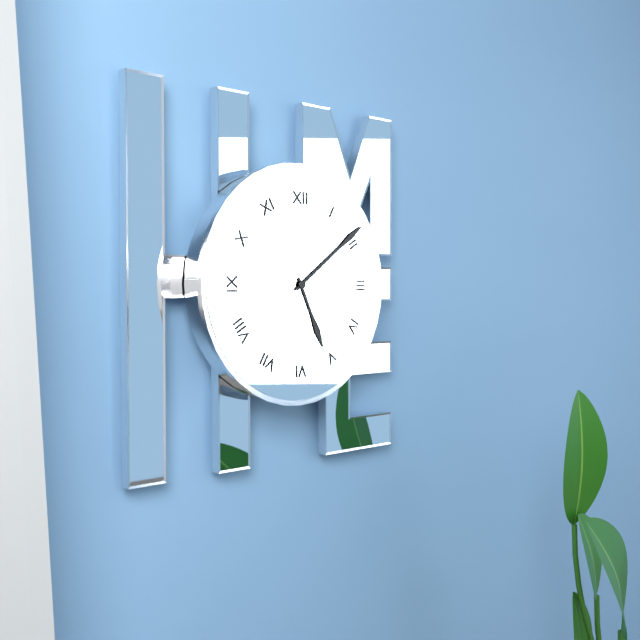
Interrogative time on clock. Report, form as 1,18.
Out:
5,09
